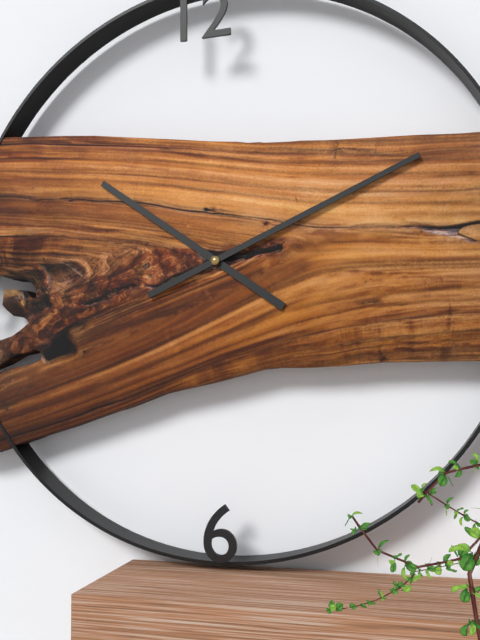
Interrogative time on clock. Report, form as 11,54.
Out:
10,11
